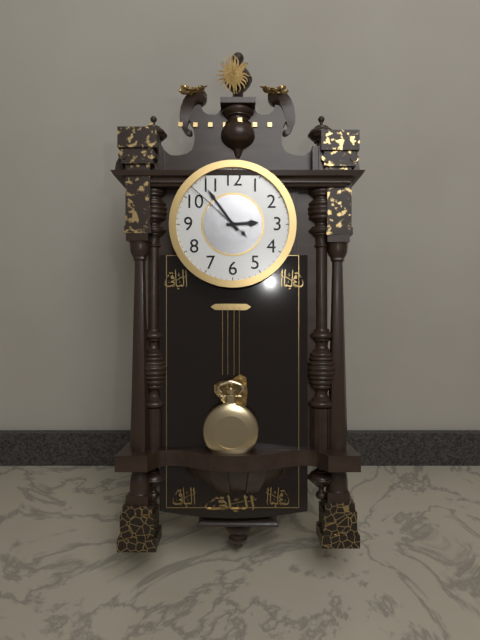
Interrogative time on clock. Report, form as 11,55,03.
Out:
2,54,52
